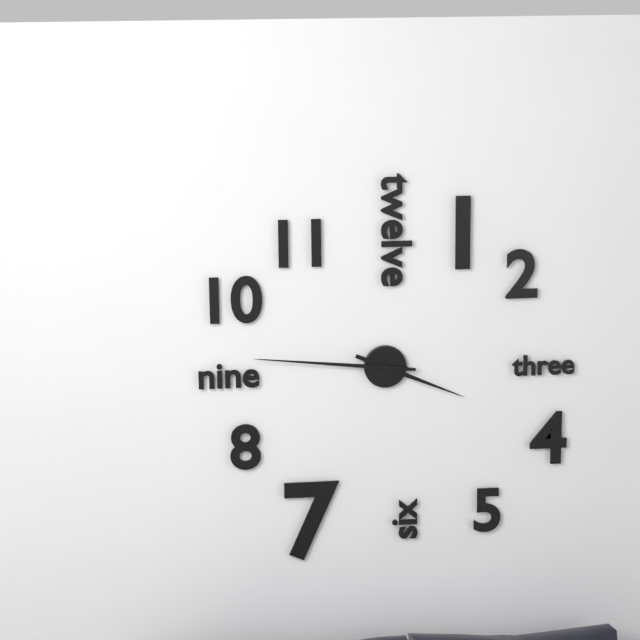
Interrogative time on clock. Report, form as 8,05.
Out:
3,46
